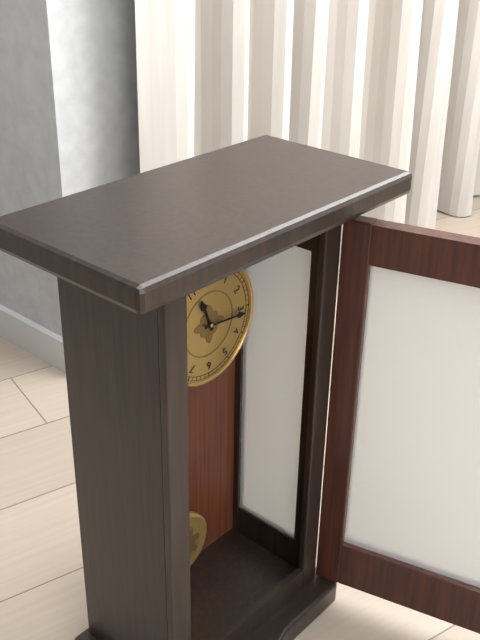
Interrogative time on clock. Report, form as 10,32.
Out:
11,16
